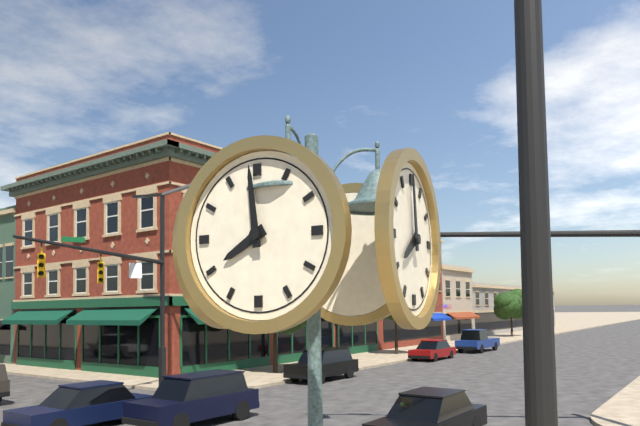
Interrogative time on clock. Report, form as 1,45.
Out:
7,59
